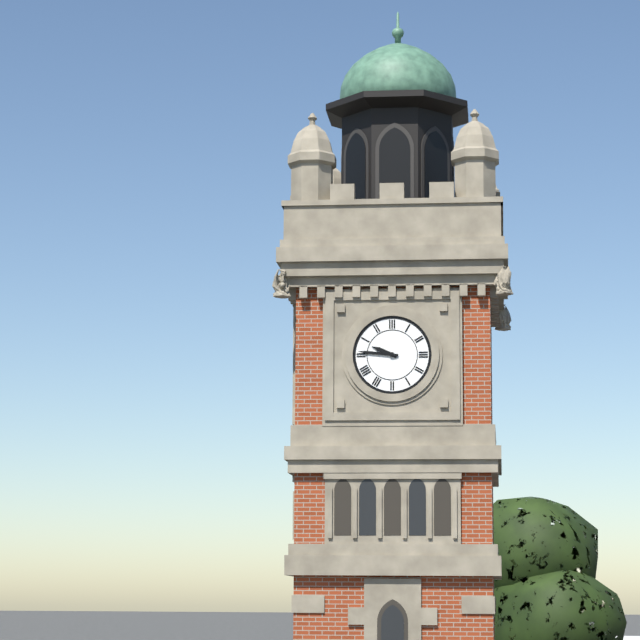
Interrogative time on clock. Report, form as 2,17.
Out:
9,46
